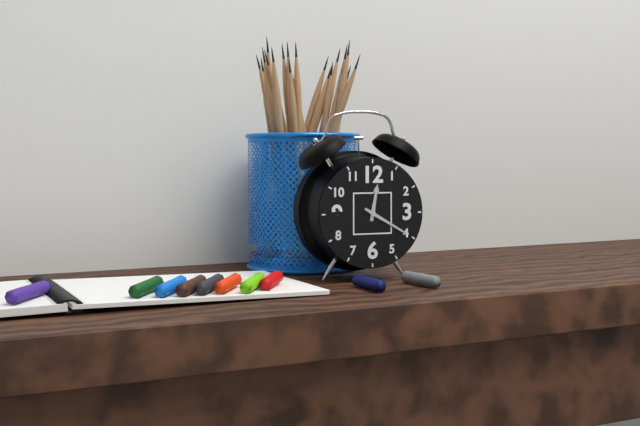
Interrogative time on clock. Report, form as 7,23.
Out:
12,20
